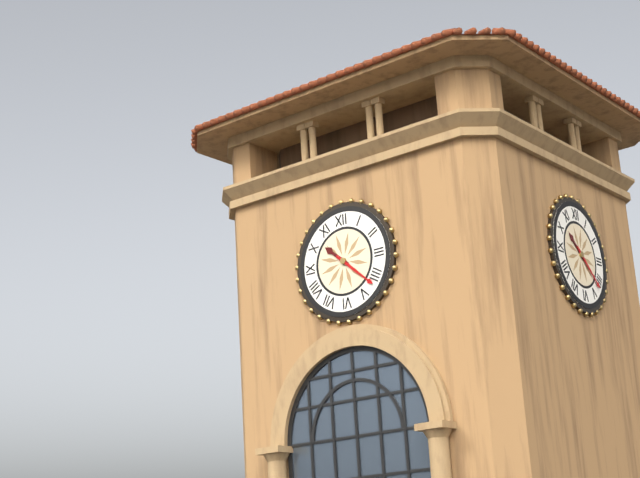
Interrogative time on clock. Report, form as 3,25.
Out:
10,22
